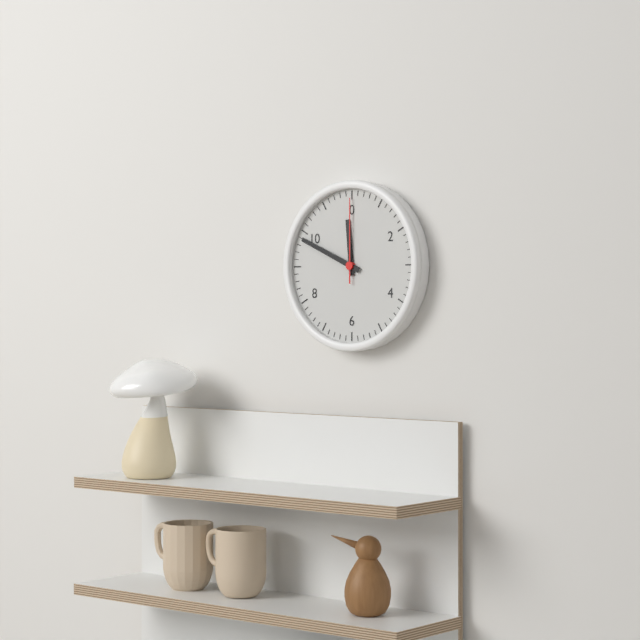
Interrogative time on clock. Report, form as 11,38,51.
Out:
11,49,00
